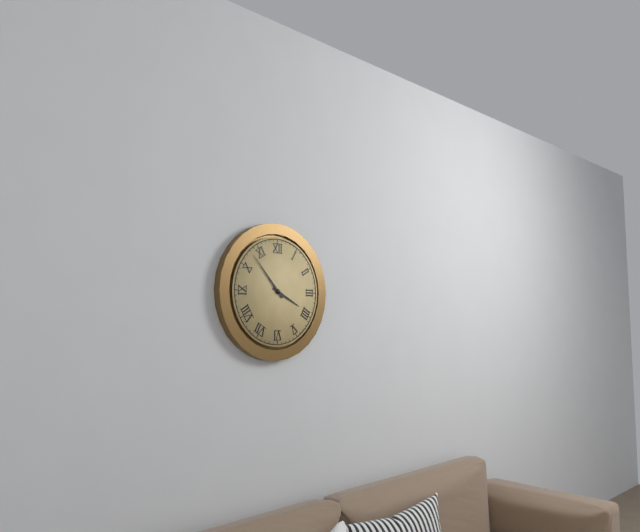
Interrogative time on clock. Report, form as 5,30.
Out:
3,53
